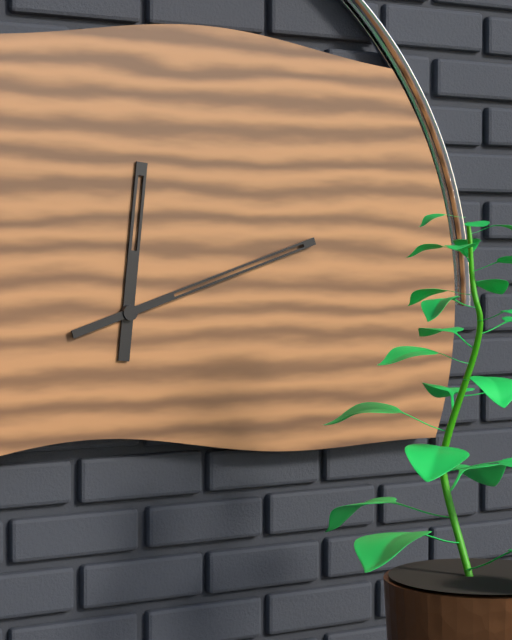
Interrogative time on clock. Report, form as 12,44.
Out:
12,12
